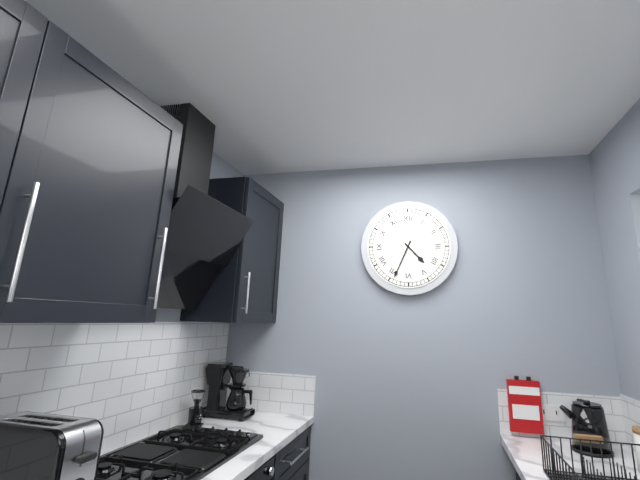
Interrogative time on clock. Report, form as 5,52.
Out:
4,34
